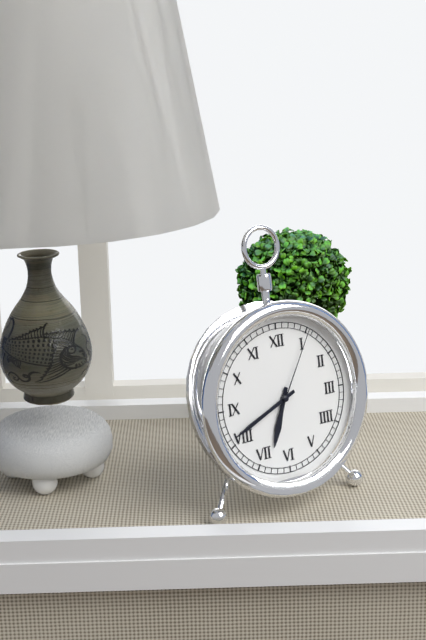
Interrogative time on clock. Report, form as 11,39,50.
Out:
6,41,05
